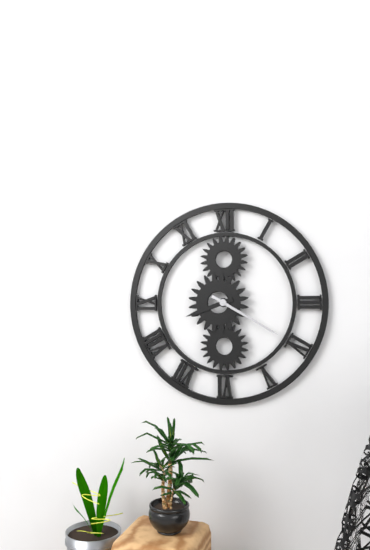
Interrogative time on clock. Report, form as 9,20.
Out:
8,20
